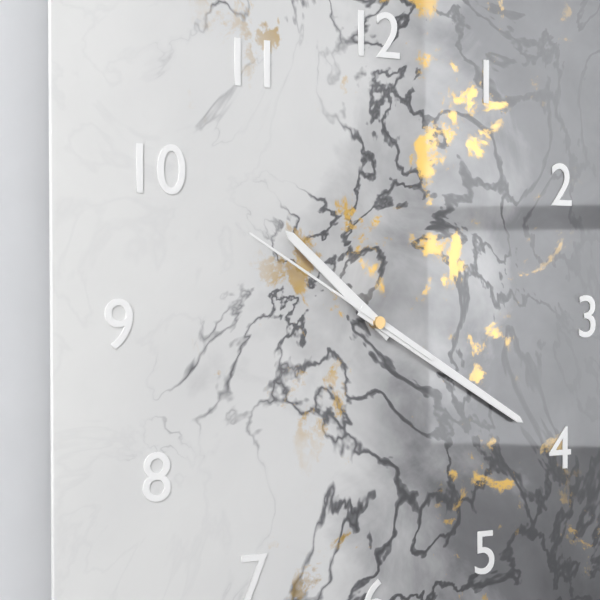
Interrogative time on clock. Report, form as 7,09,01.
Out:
10,20,50
